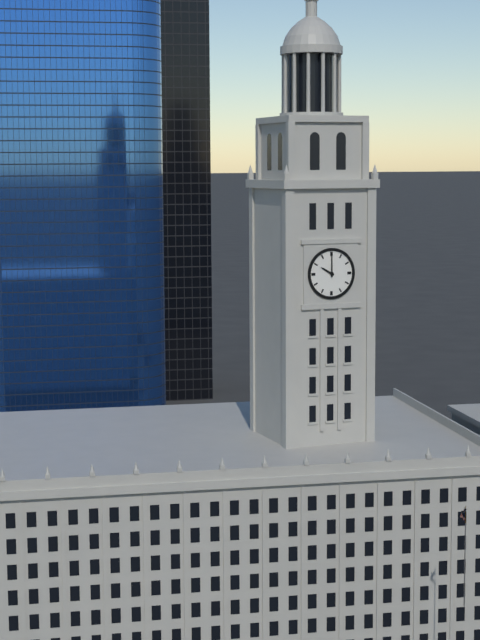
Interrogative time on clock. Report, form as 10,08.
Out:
10,00
